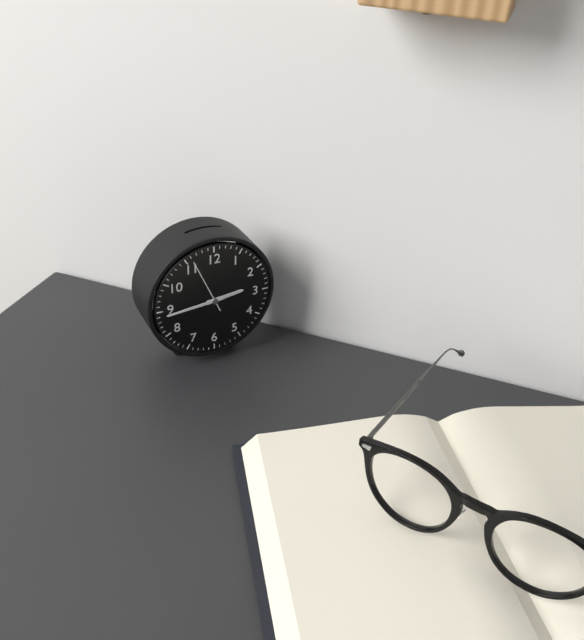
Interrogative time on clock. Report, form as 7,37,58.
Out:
2,44,56
